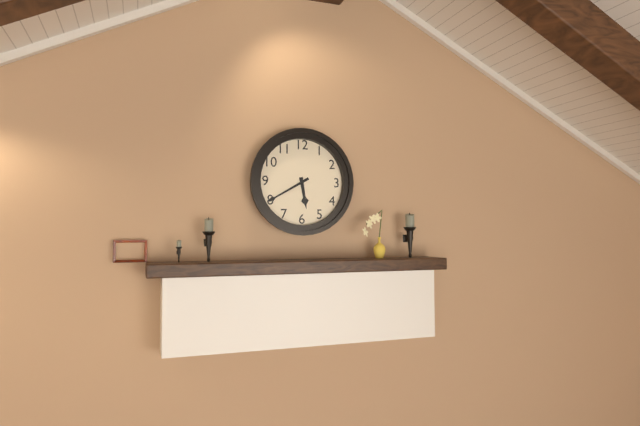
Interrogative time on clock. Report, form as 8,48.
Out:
5,40
